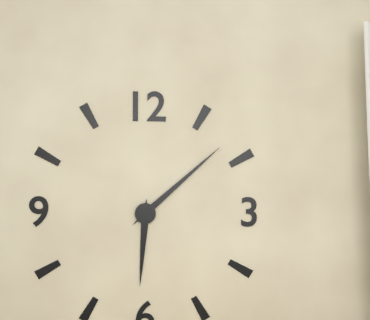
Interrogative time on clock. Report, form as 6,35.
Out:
6,08
